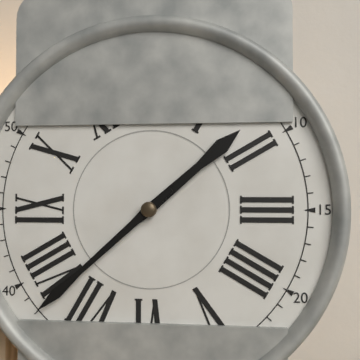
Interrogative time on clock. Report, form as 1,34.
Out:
1,38
